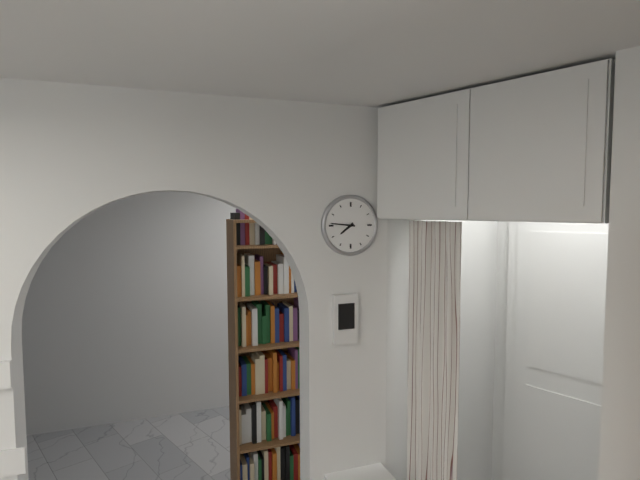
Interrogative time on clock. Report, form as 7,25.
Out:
7,46
